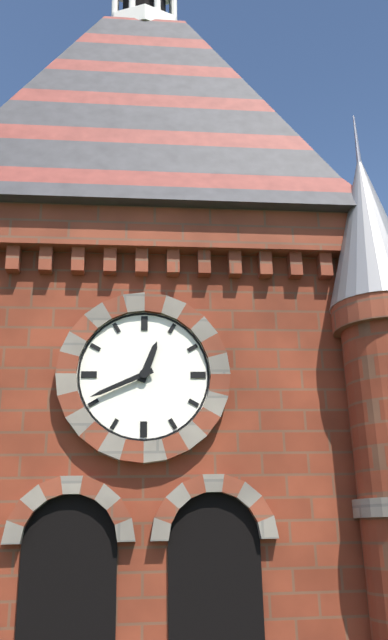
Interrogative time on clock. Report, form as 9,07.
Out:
12,41
